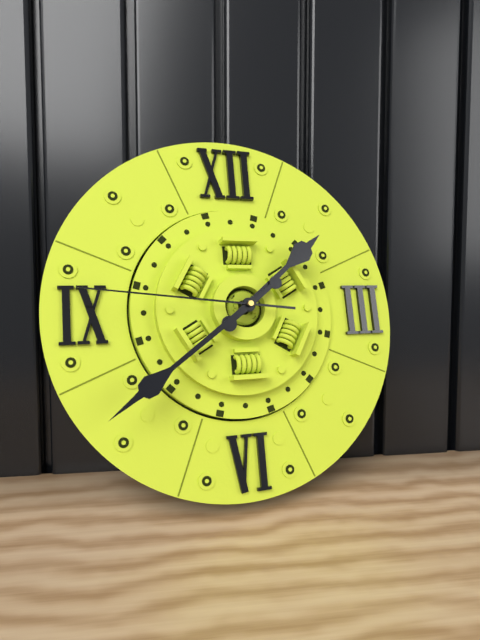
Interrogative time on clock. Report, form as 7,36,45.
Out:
1,39,46
